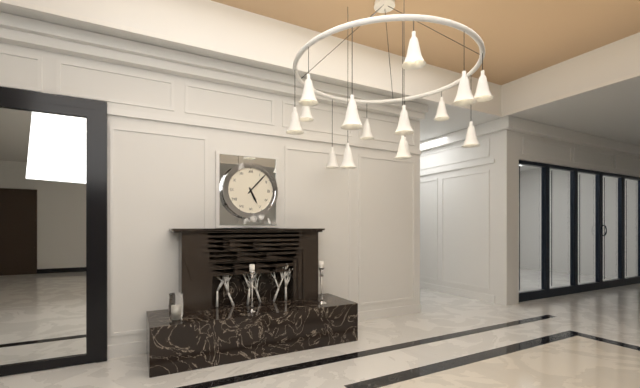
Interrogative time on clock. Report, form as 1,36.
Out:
5,07
